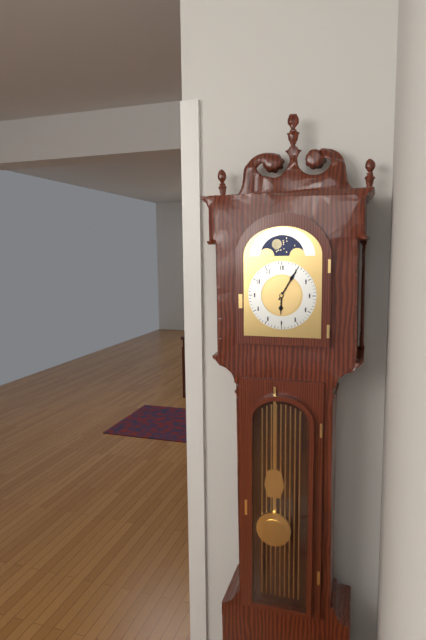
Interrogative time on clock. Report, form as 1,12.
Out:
6,05
